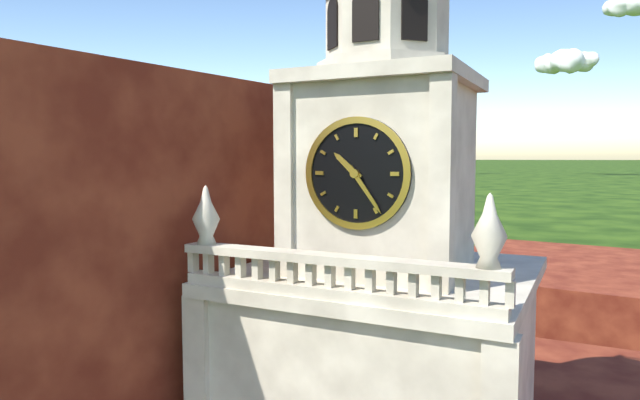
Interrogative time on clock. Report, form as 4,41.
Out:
10,24
